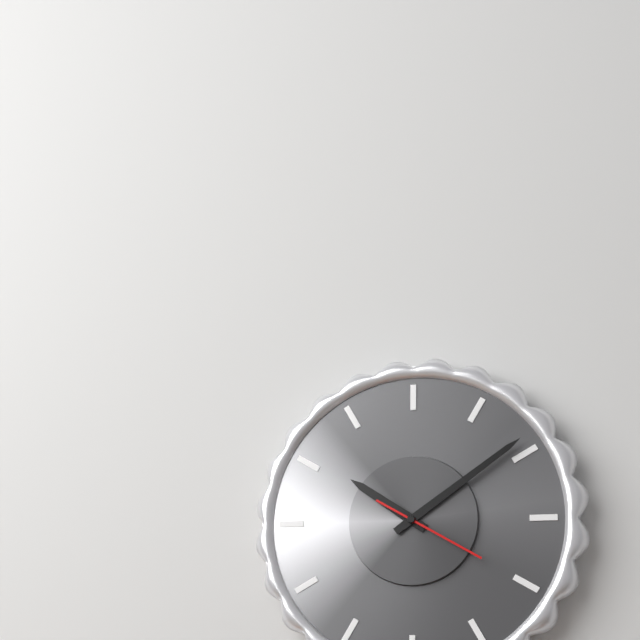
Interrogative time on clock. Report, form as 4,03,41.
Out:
10,09,20
